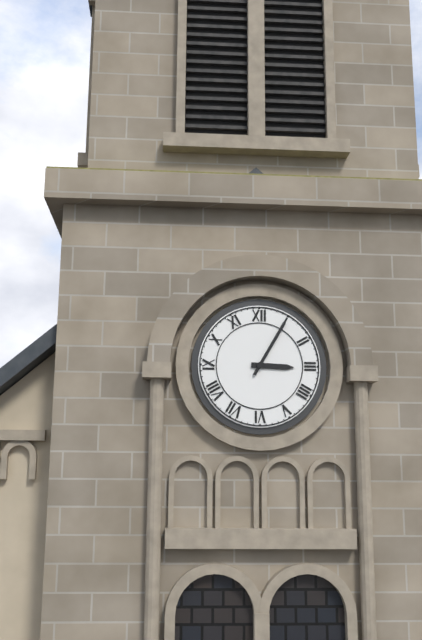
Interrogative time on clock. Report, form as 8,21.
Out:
3,05
